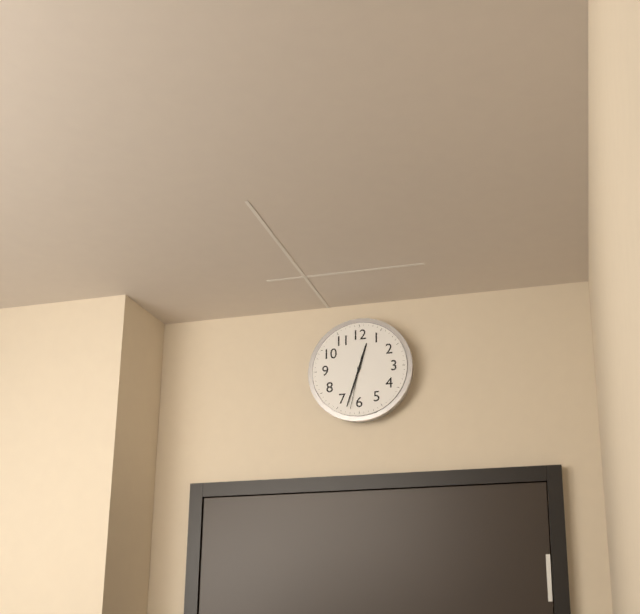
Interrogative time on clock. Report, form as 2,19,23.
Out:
12,33,32
